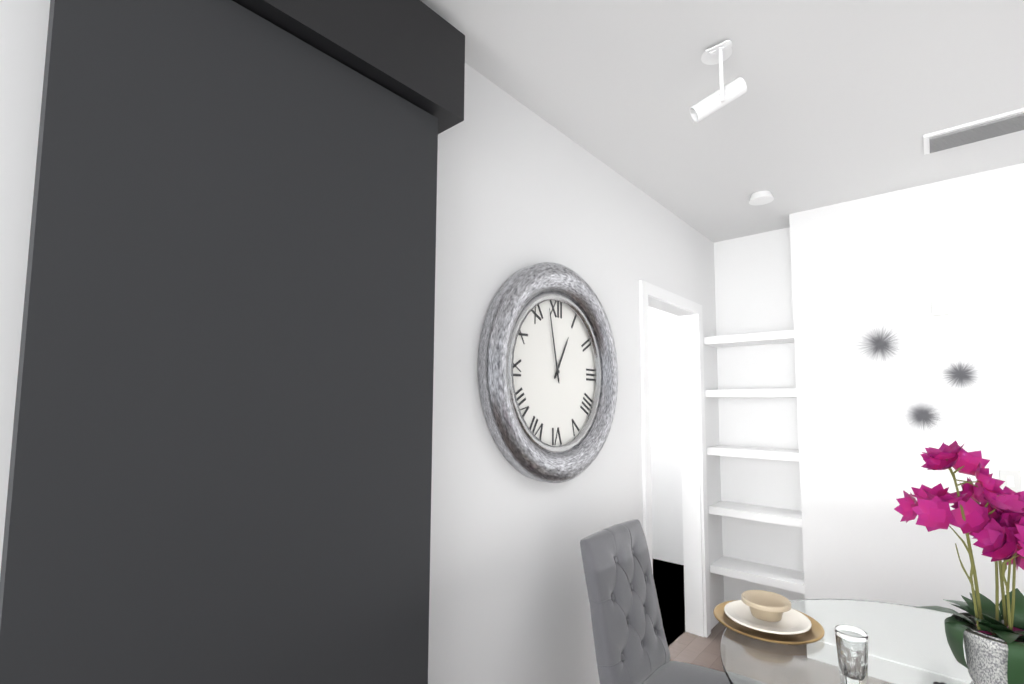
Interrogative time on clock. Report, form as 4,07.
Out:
12,58
